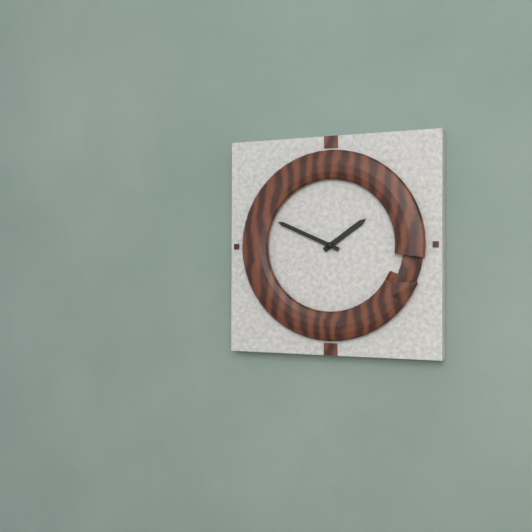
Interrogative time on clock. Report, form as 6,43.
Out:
1,49
